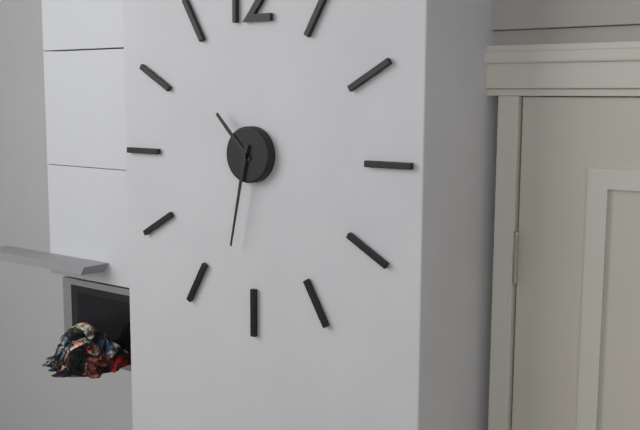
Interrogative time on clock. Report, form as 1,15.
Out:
10,32
